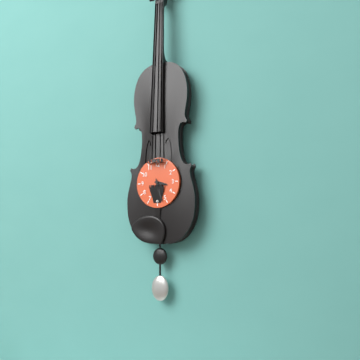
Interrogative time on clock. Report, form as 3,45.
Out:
3,27
